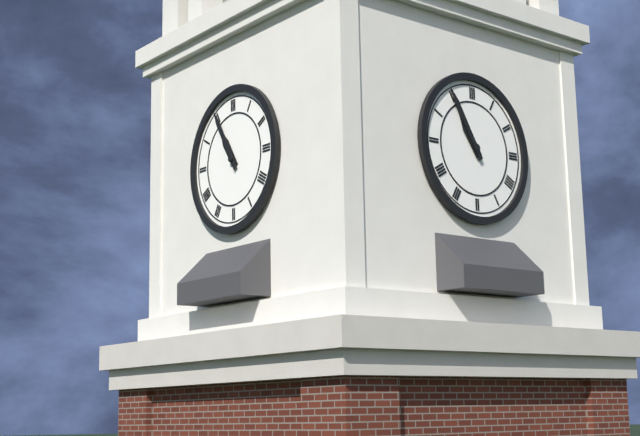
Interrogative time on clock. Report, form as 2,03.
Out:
10,55
